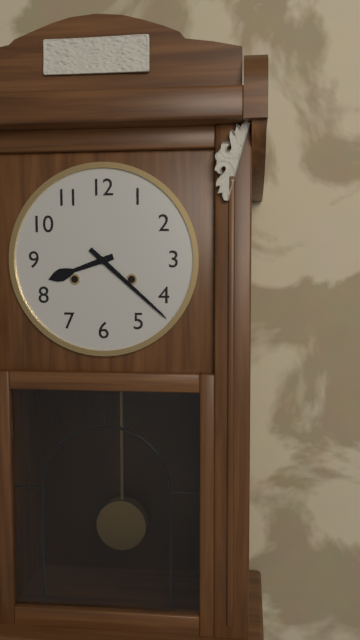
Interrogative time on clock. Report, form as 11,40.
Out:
8,22
